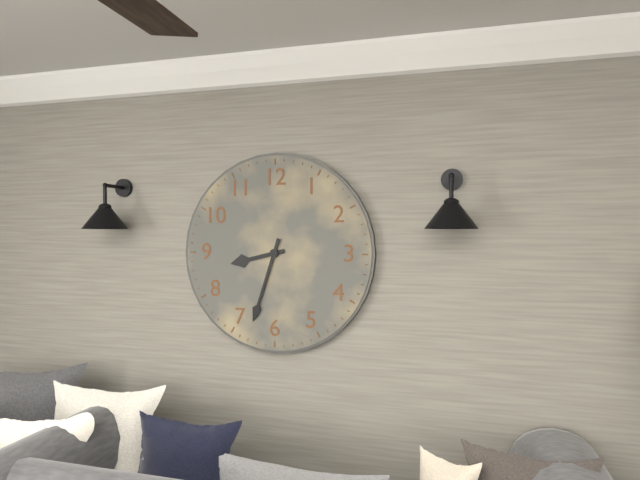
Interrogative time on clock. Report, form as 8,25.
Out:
8,33
